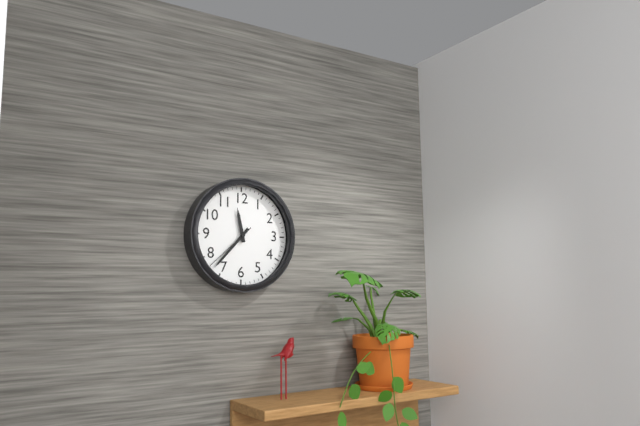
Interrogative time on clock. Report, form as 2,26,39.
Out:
11,37,38
